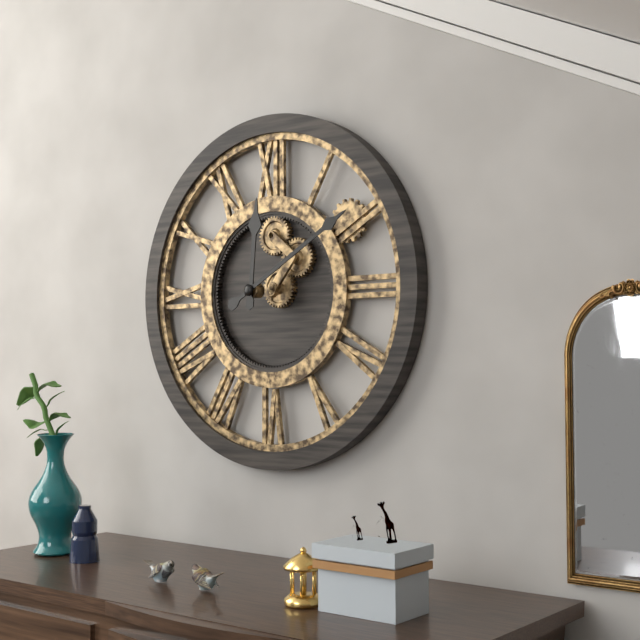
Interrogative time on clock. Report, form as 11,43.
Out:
12,10
